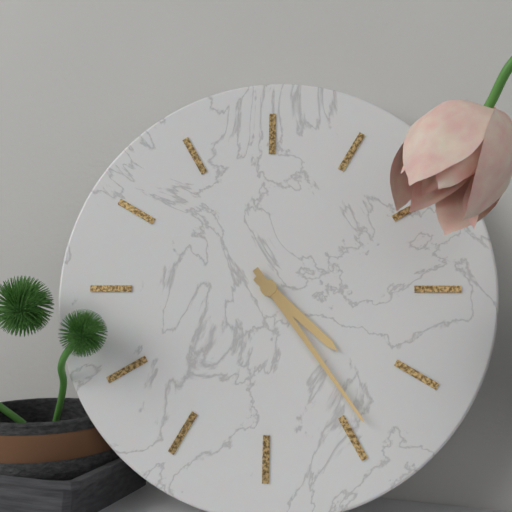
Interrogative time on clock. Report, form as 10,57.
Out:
4,24
